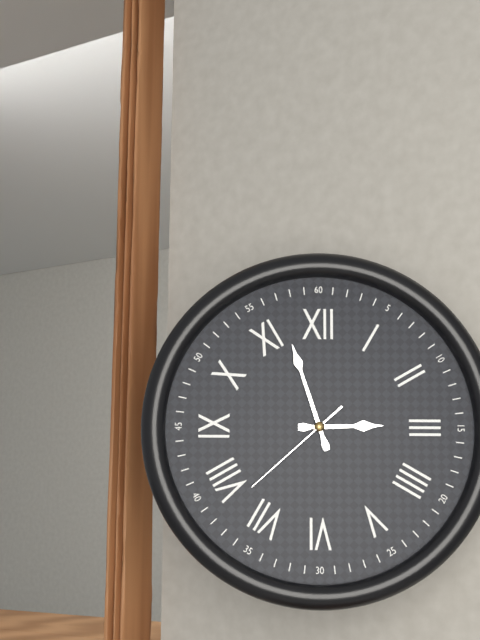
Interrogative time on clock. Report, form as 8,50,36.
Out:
2,57,38
